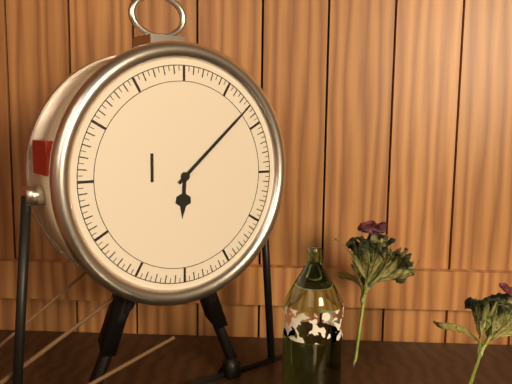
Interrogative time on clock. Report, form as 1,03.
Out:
6,08
